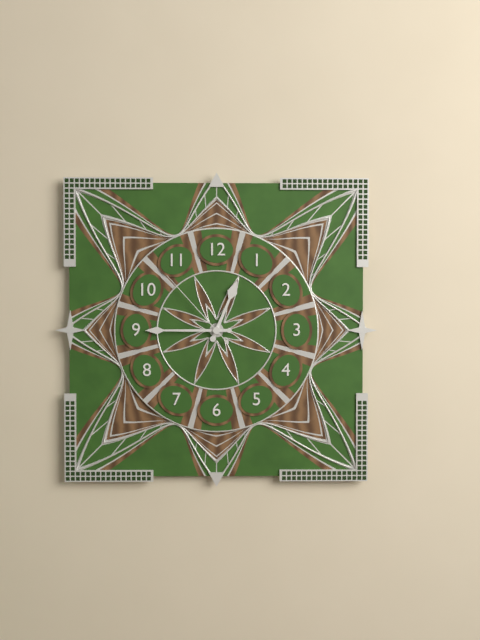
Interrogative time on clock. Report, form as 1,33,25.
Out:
12,45,53
